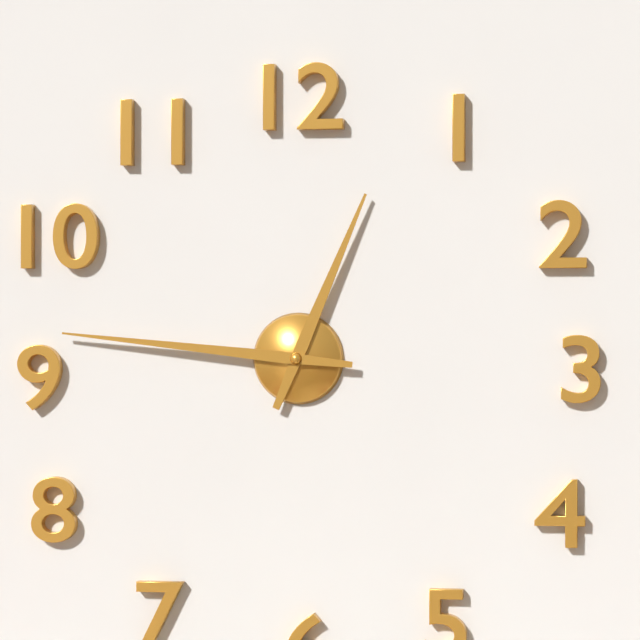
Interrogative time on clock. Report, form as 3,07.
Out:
12,46
